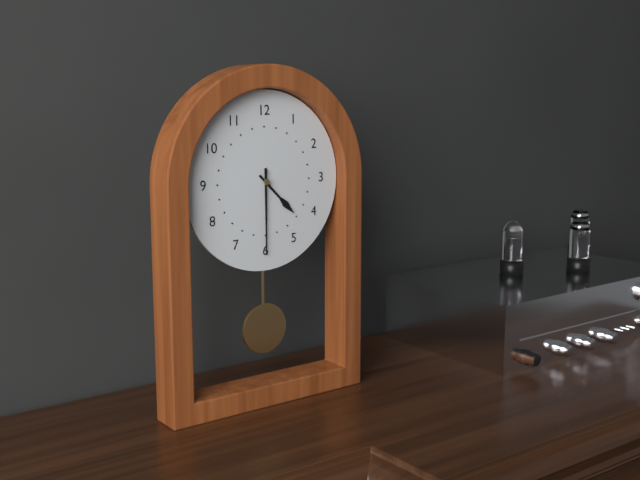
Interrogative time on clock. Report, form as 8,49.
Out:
4,30
